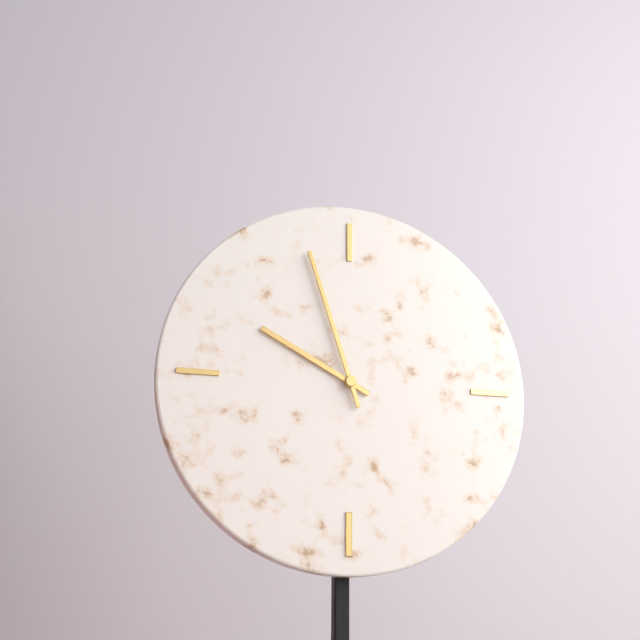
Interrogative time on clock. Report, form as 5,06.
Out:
9,57
